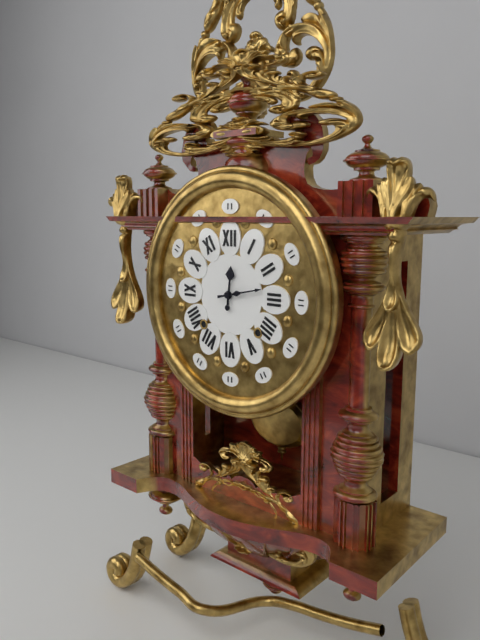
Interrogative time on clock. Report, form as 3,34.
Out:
12,13
